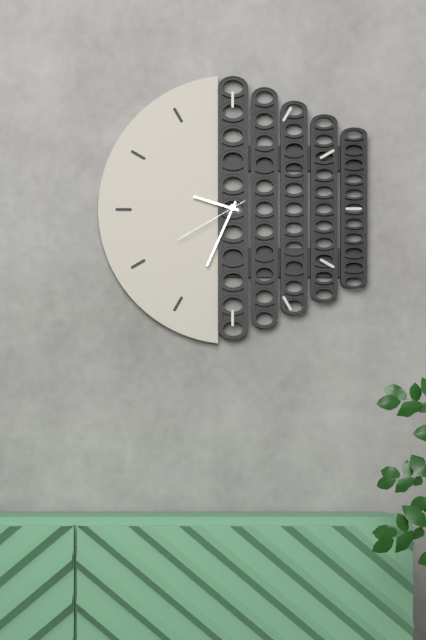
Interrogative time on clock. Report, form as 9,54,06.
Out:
9,34,40
